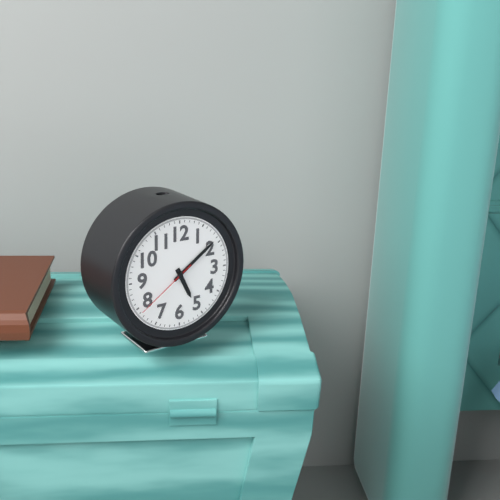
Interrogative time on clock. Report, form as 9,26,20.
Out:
5,09,39
